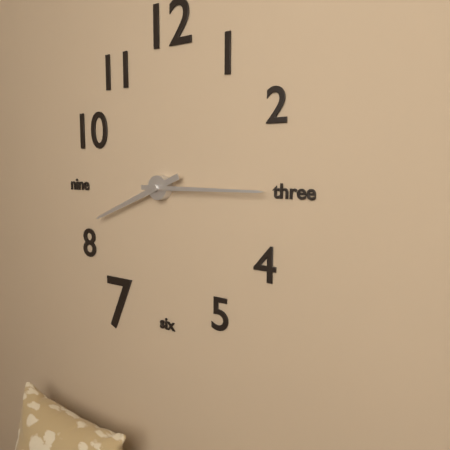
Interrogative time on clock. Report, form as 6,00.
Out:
8,15
